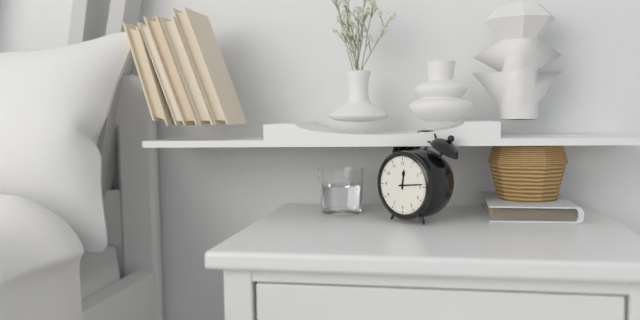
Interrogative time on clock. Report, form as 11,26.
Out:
12,14
